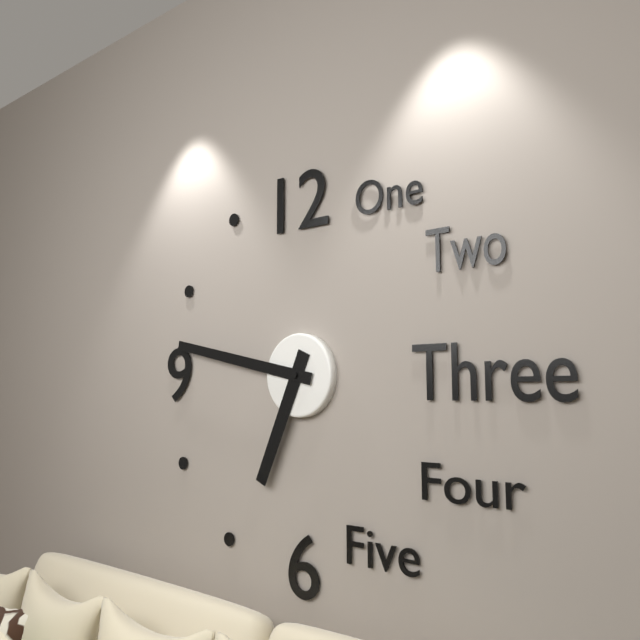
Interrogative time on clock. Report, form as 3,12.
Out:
6,47
